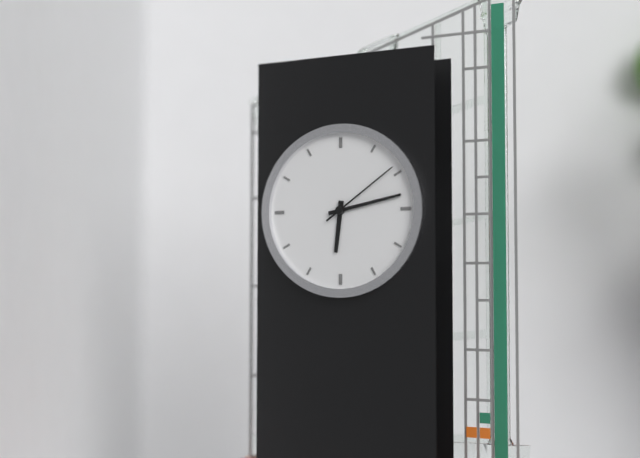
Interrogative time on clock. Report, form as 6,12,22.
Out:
6,13,09
